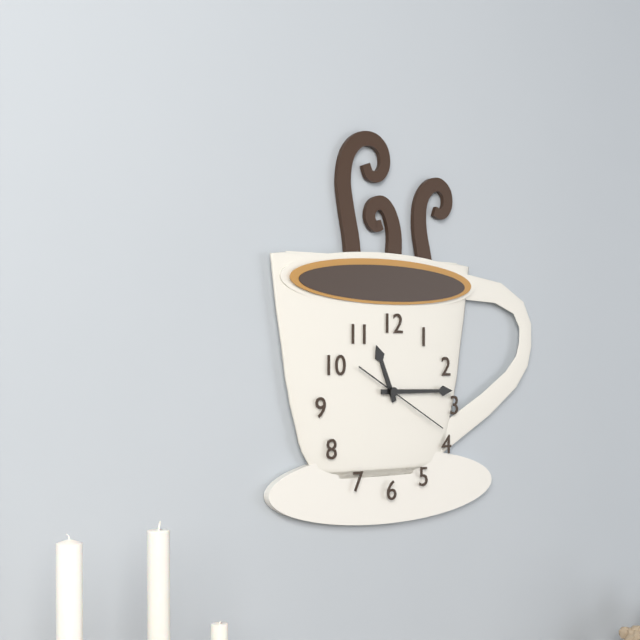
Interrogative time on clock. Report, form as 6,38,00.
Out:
11,15,20
